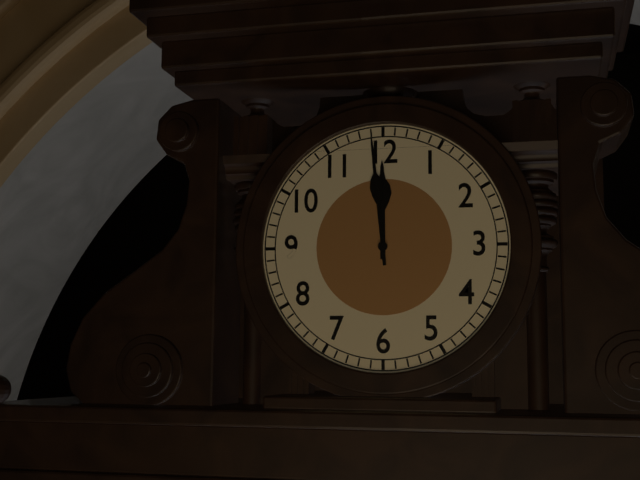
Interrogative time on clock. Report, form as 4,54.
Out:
11,59
